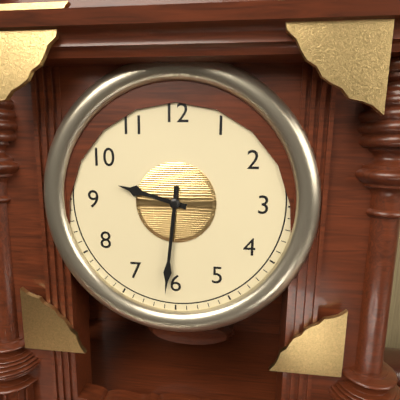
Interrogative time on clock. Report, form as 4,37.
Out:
9,31
